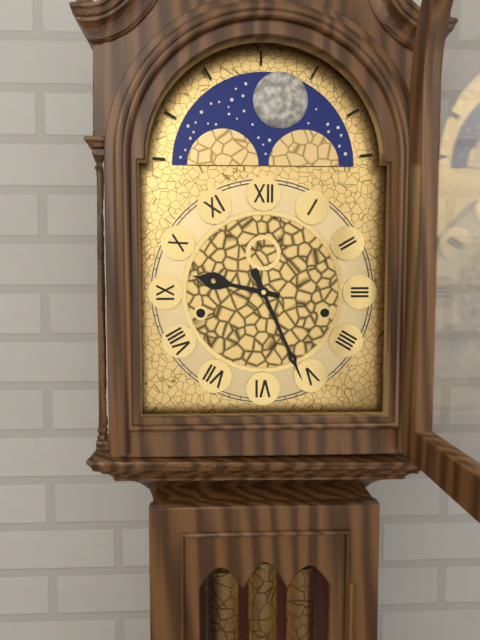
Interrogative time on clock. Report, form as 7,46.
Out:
9,26
